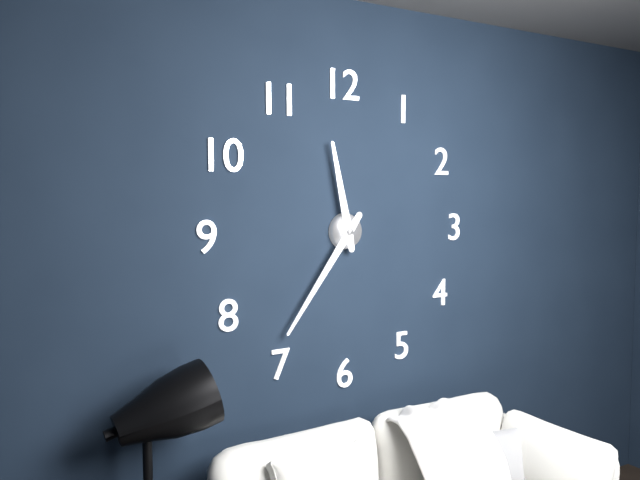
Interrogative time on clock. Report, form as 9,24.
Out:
11,36
